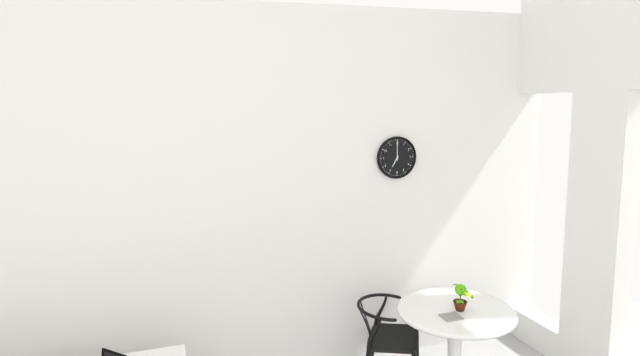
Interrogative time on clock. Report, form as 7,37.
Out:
7,00
